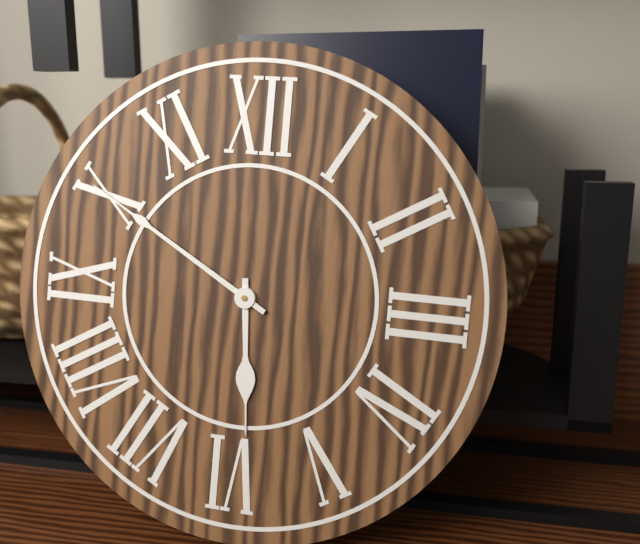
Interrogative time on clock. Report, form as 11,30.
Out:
5,50
